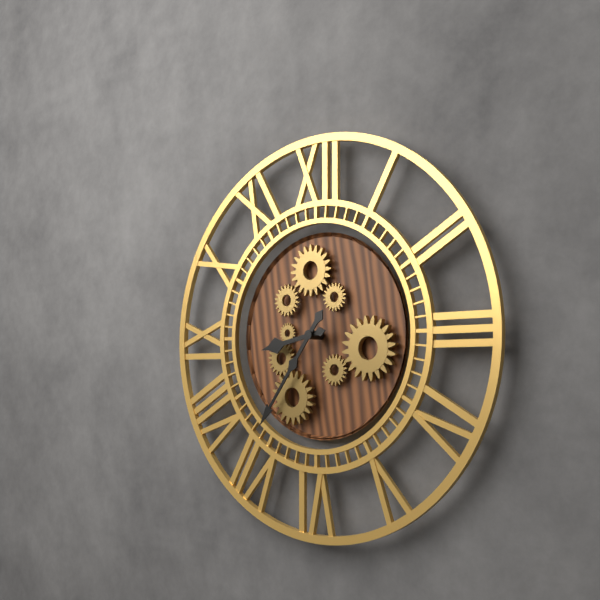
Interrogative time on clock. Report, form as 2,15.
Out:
8,36
